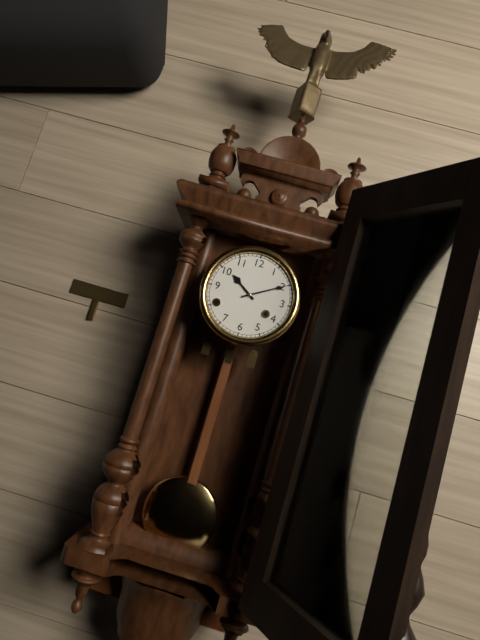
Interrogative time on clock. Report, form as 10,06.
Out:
10,10
